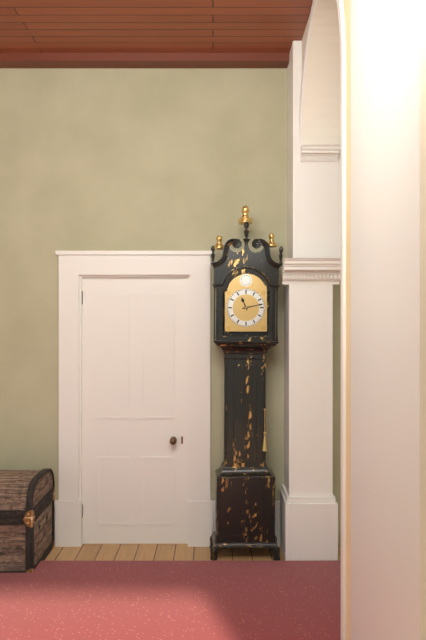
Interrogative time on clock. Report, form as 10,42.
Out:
11,13
